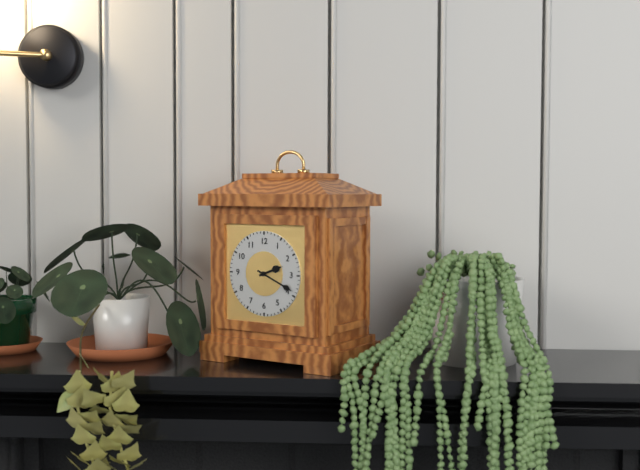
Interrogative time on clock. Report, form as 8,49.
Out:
2,19
